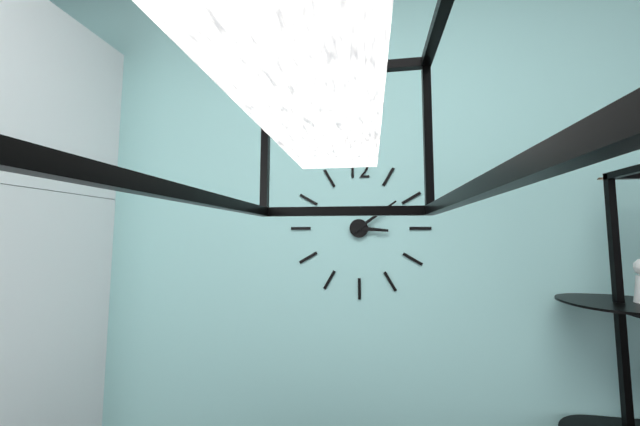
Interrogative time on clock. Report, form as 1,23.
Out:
3,09
